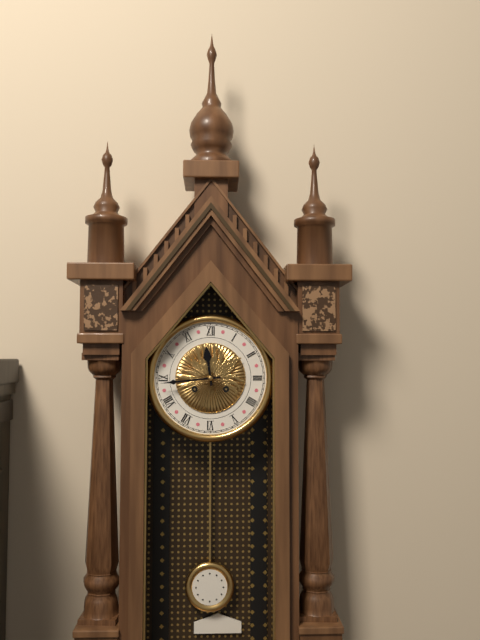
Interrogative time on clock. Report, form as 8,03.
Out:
11,44
